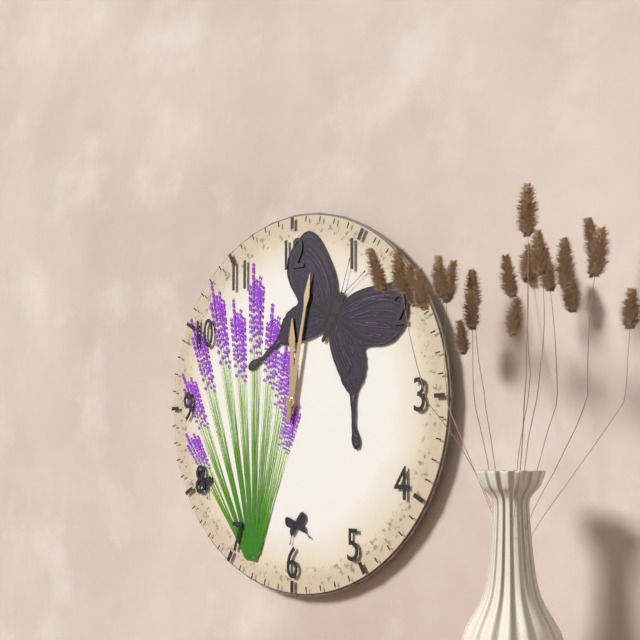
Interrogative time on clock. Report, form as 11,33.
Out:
12,02
